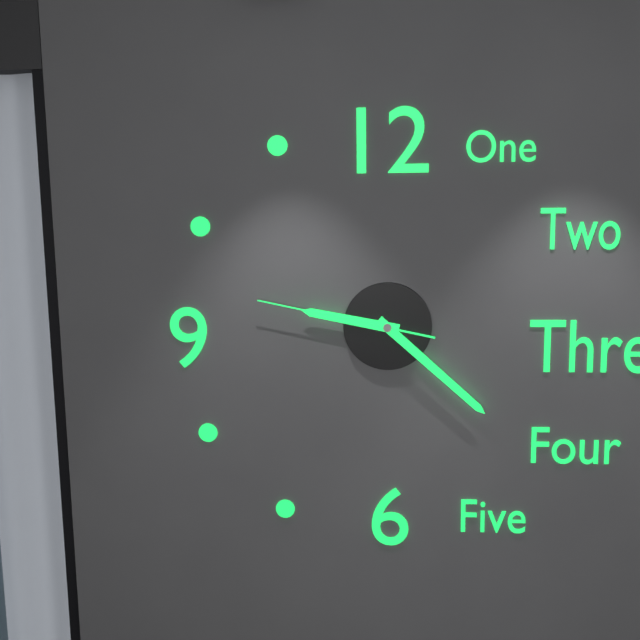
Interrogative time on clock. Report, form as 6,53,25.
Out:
9,22,47
